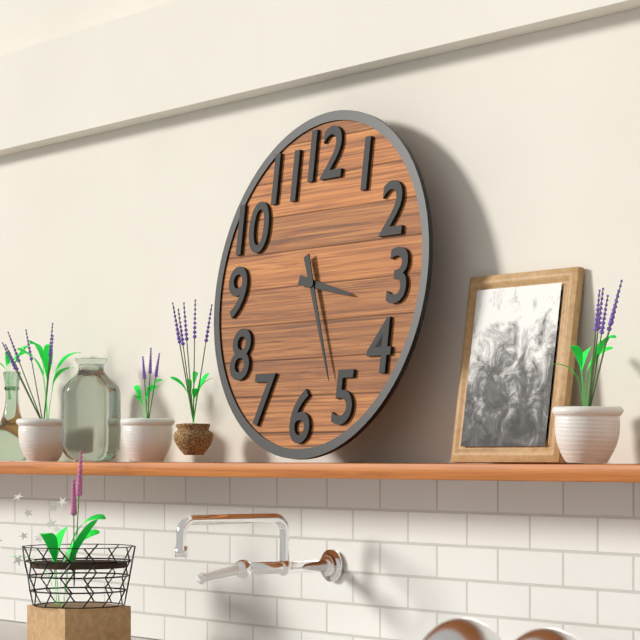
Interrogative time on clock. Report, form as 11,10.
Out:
3,26
